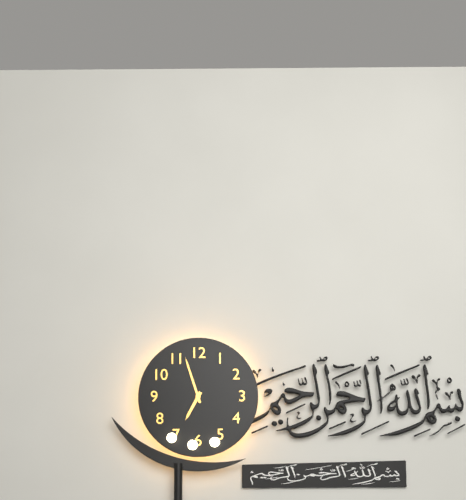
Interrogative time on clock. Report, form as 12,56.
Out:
6,57
